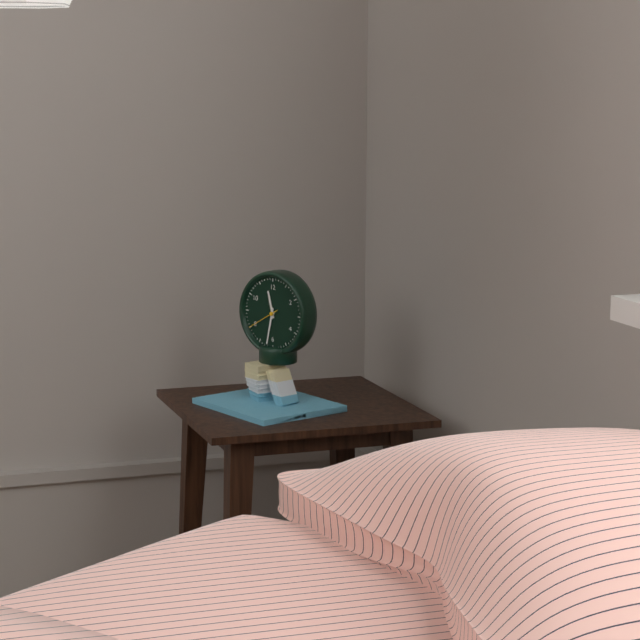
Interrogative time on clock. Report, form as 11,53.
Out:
11,32
